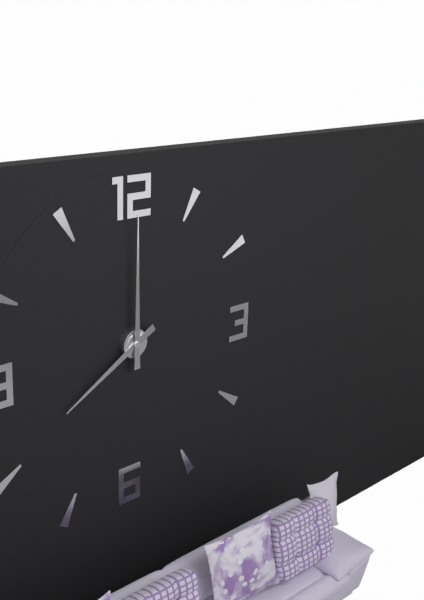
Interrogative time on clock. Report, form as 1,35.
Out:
8,00
